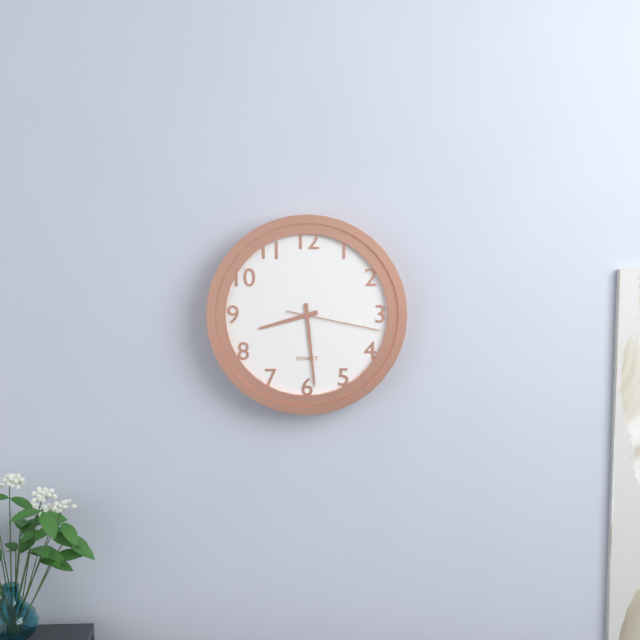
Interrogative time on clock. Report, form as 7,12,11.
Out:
8,29,17
